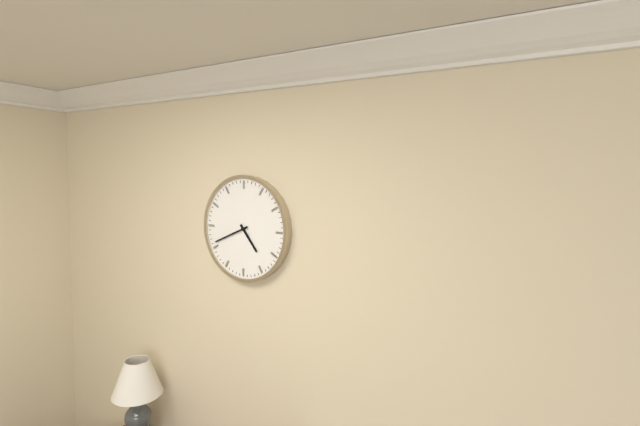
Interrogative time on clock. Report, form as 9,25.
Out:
4,41
